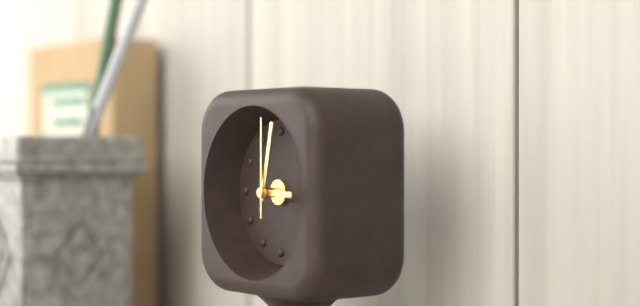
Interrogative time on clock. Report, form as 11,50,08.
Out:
3,02,00
